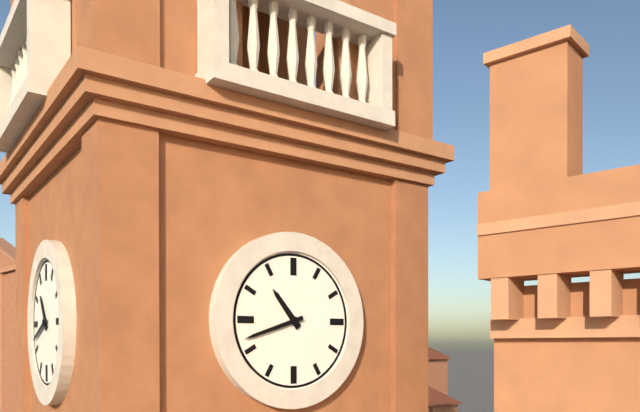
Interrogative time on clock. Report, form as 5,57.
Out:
10,42
